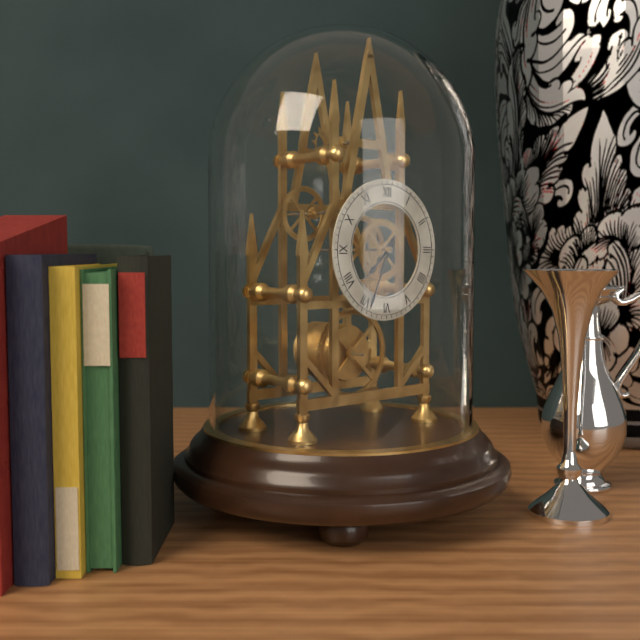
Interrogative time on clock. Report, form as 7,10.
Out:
7,34
